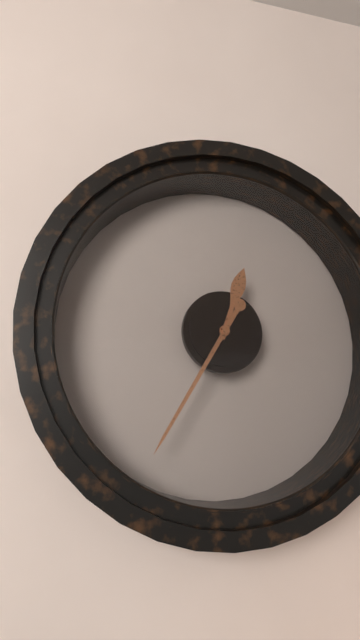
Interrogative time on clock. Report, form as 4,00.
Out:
12,35
